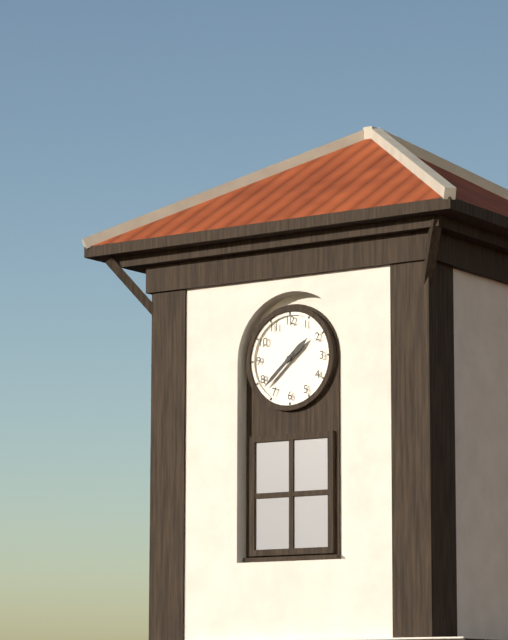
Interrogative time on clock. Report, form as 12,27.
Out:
1,38
